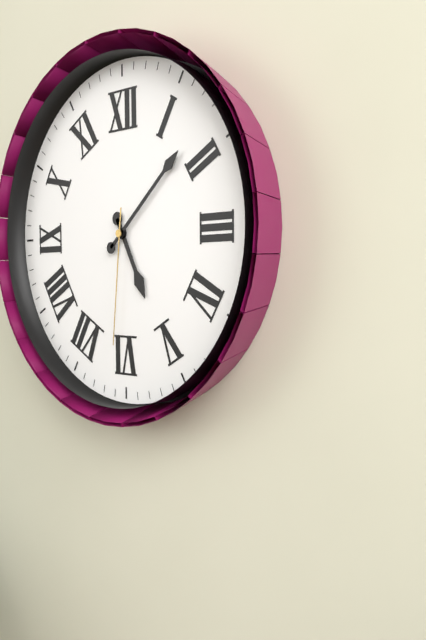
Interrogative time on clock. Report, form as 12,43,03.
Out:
5,08,31
